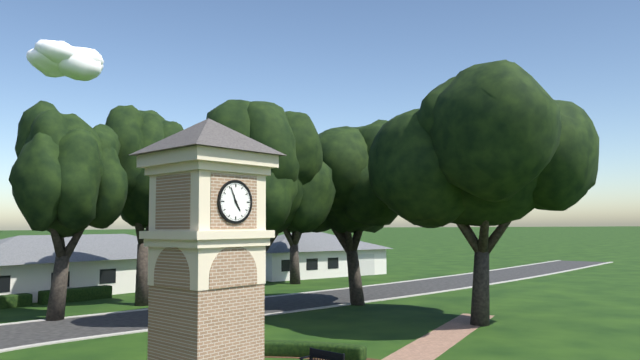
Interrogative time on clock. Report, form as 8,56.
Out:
4,56
